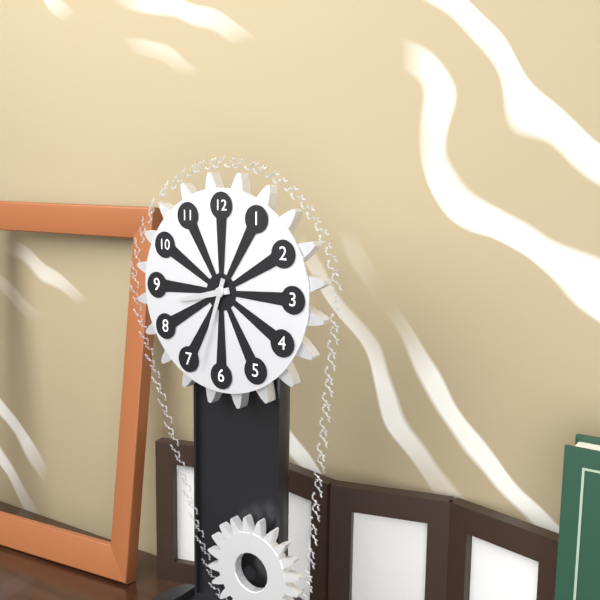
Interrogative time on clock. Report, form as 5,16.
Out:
8,33
